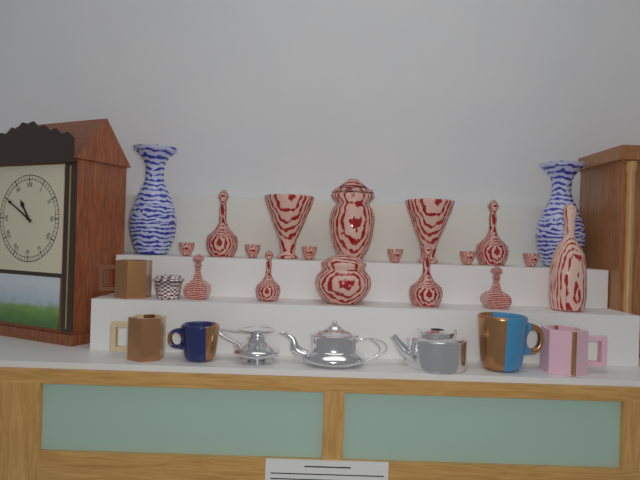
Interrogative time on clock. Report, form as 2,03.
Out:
10,50
